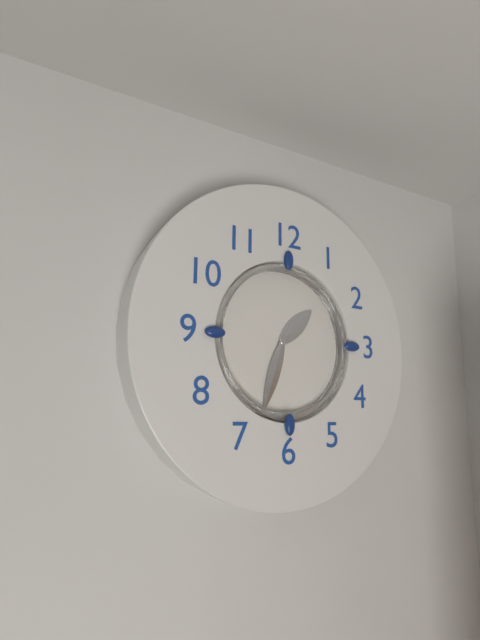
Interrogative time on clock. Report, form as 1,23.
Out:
1,33
